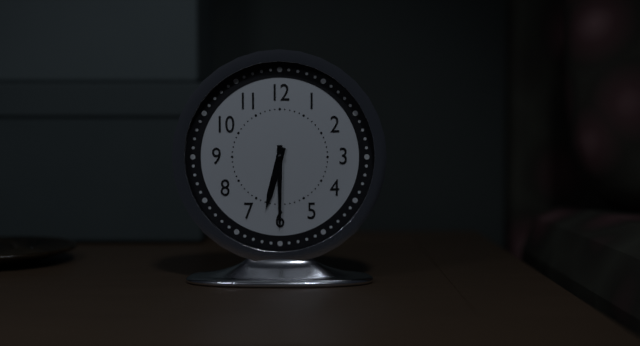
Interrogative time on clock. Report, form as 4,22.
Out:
6,30
